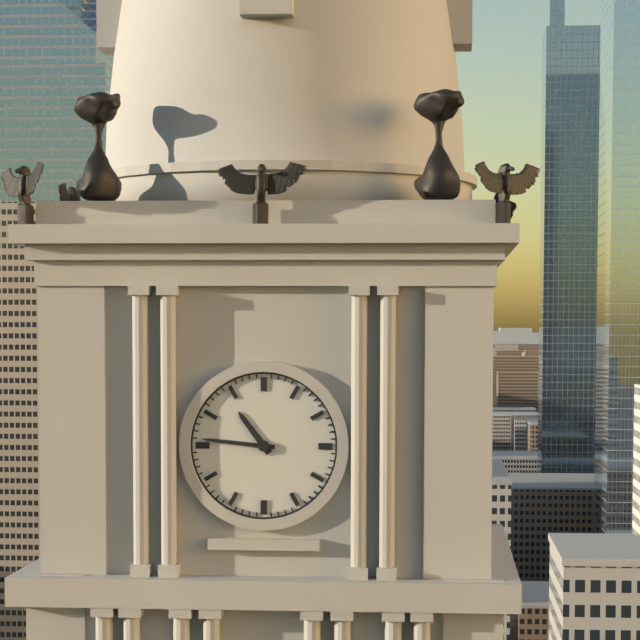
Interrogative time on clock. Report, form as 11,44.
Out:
10,46
